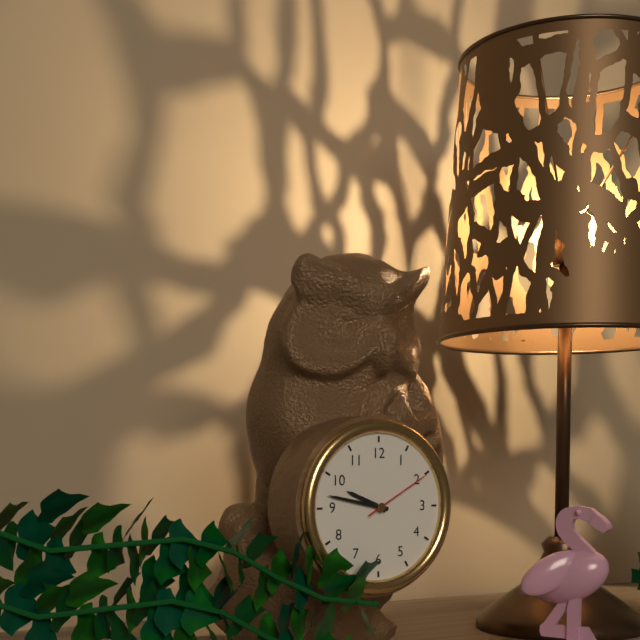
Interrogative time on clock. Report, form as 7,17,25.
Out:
9,47,10
